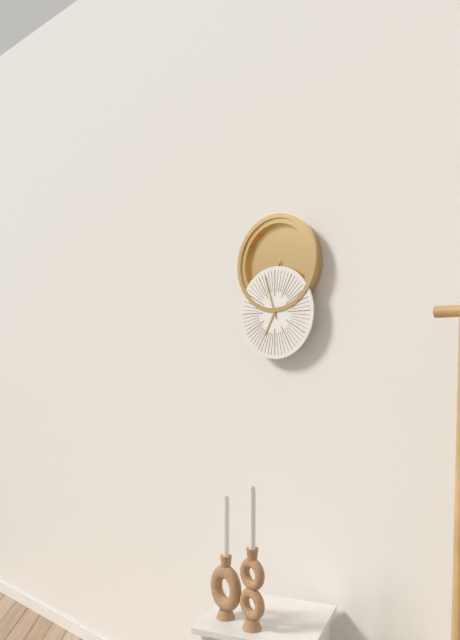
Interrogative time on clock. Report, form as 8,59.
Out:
6,57
